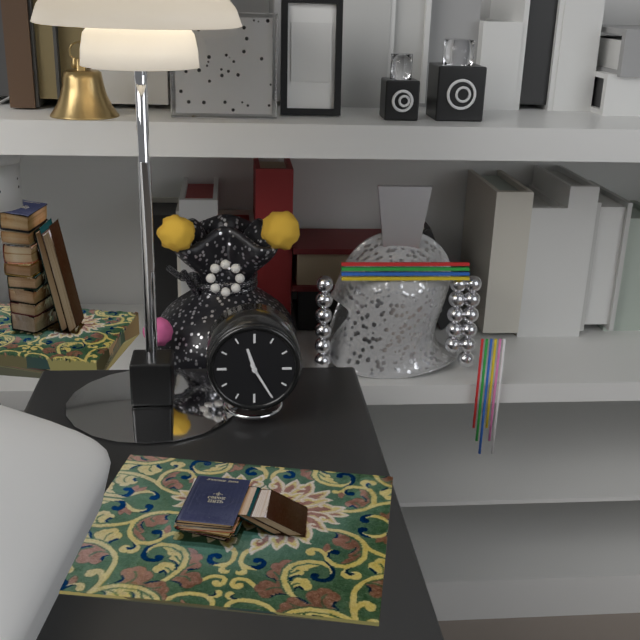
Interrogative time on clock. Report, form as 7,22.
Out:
11,25
